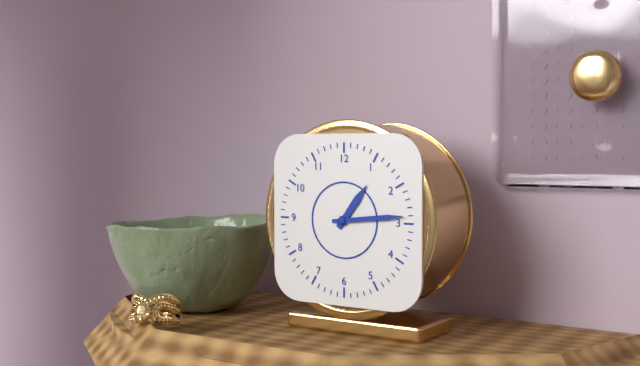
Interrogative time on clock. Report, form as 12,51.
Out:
1,14
